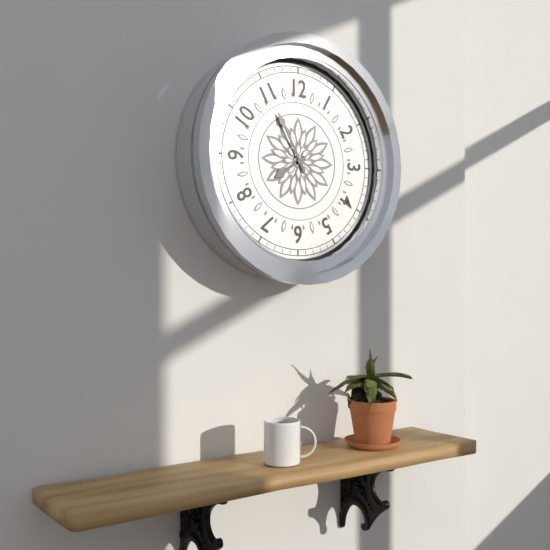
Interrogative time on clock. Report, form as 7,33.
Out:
7,55
